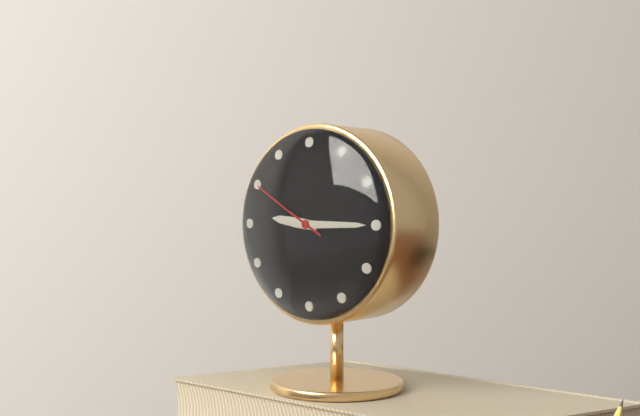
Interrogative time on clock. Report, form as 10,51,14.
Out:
9,15,50
